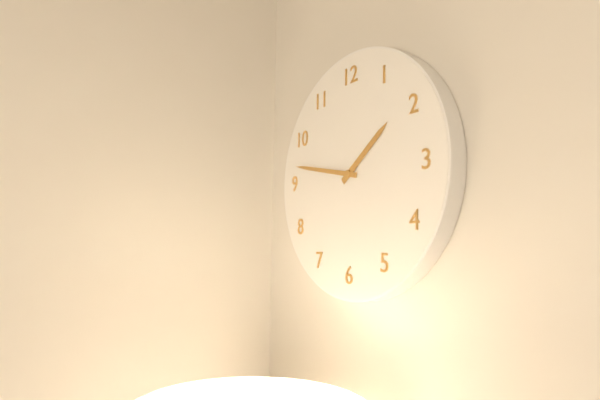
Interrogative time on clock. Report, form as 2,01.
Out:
1,47
